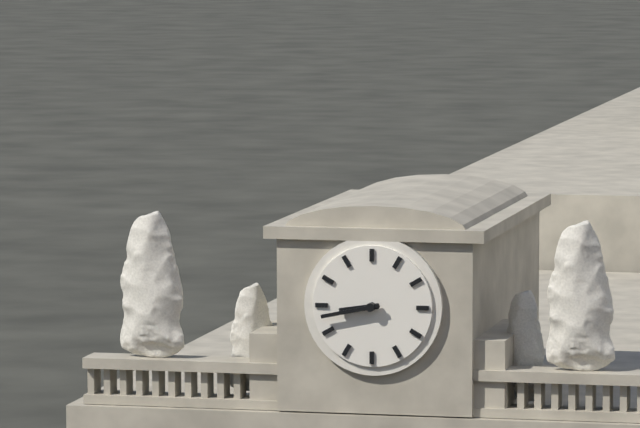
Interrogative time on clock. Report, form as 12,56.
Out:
8,43
